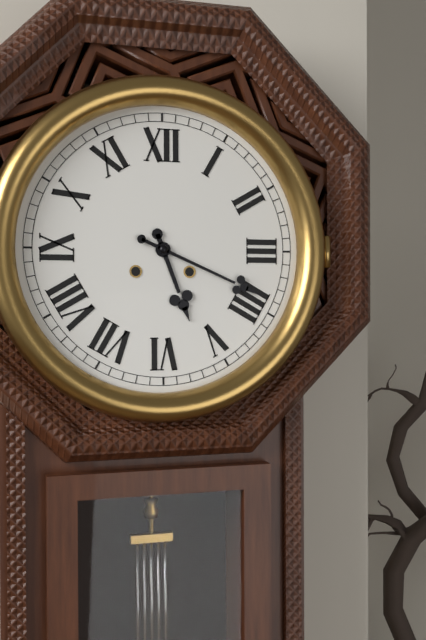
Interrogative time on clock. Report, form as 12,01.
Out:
5,19
